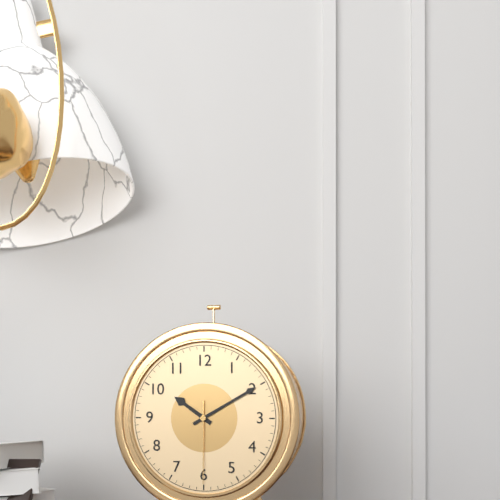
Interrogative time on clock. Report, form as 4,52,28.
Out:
10,10,30
